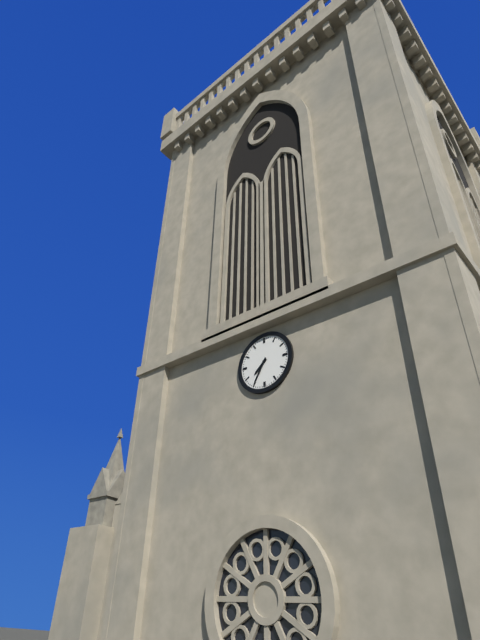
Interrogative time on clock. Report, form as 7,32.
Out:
7,35
